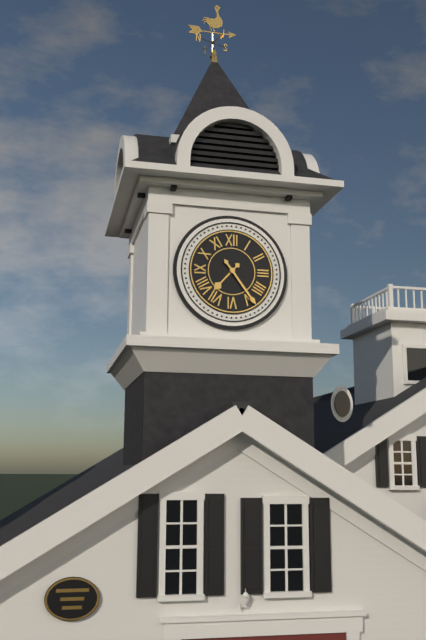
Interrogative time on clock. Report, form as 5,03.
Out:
7,24
